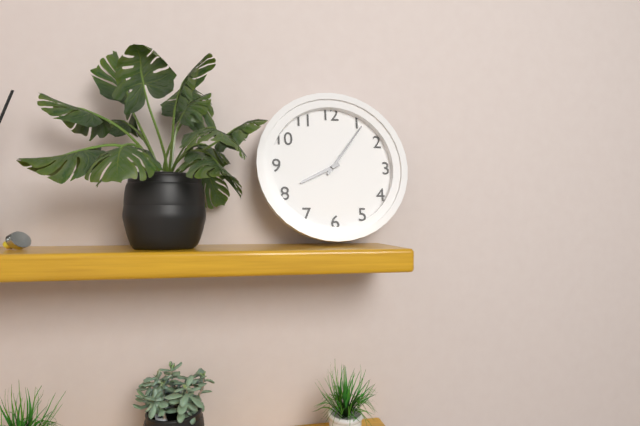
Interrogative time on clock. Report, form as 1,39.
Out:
8,06
